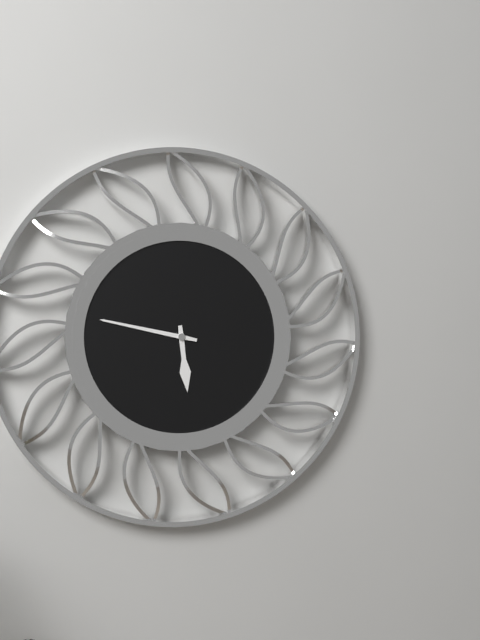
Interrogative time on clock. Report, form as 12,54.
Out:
5,47
